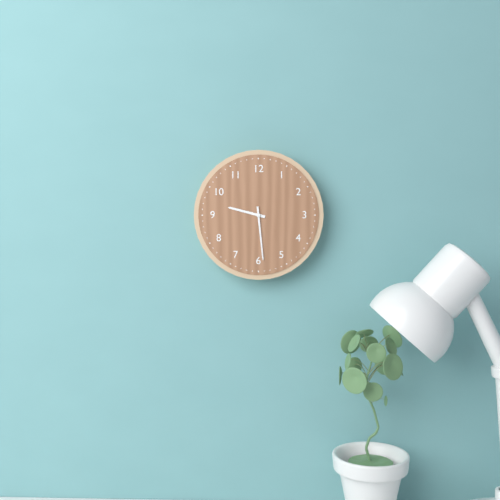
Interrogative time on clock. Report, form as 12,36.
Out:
9,29
